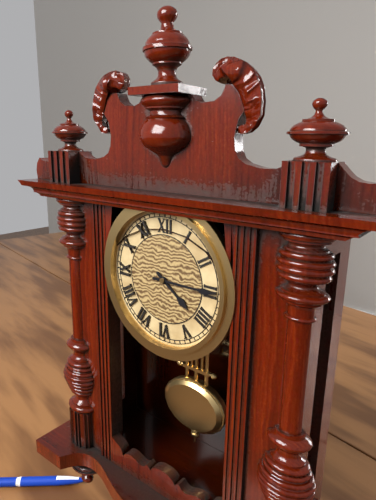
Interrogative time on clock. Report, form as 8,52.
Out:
4,15
